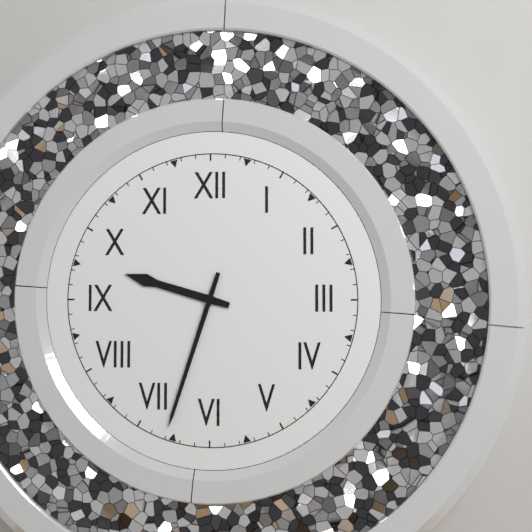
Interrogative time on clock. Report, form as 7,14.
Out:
9,33
